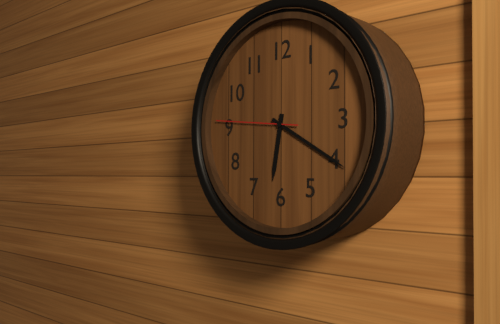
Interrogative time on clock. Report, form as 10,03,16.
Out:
6,20,46
